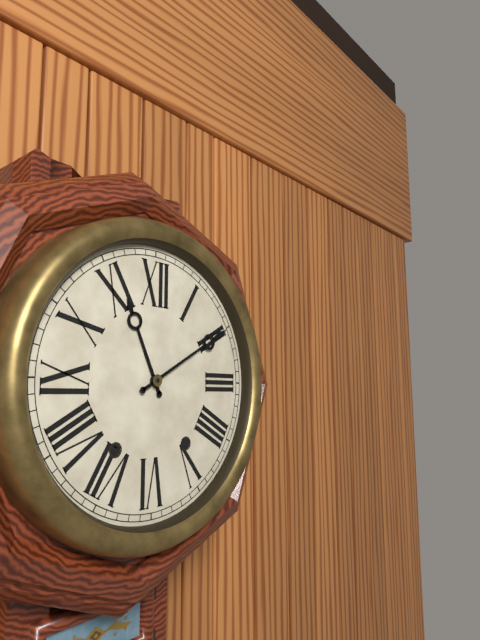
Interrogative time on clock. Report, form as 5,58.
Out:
11,10
